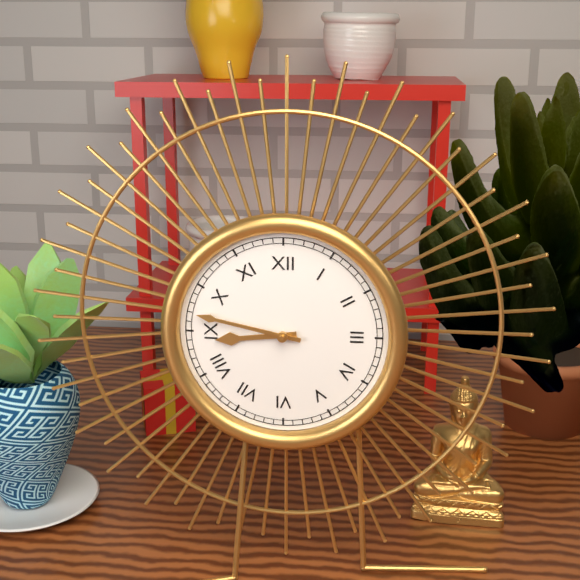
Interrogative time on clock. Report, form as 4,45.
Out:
8,47
